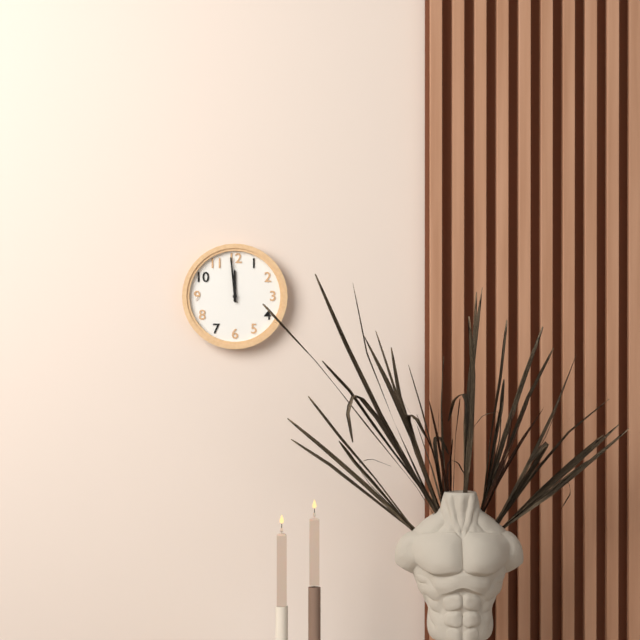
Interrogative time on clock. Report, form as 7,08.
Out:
11,59
